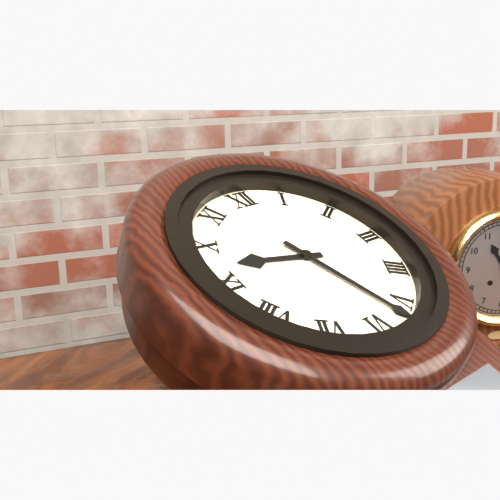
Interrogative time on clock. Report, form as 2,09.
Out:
9,27
